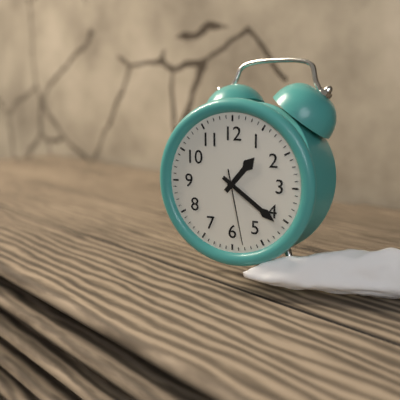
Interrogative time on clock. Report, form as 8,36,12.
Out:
1,21,28
